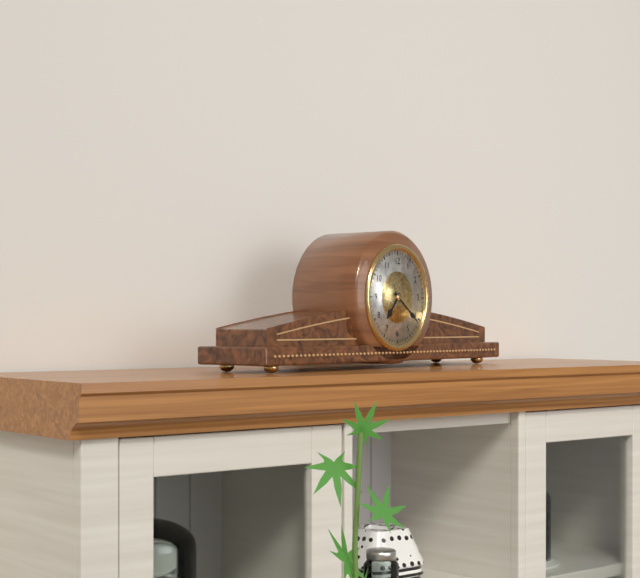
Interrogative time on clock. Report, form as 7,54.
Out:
7,21
